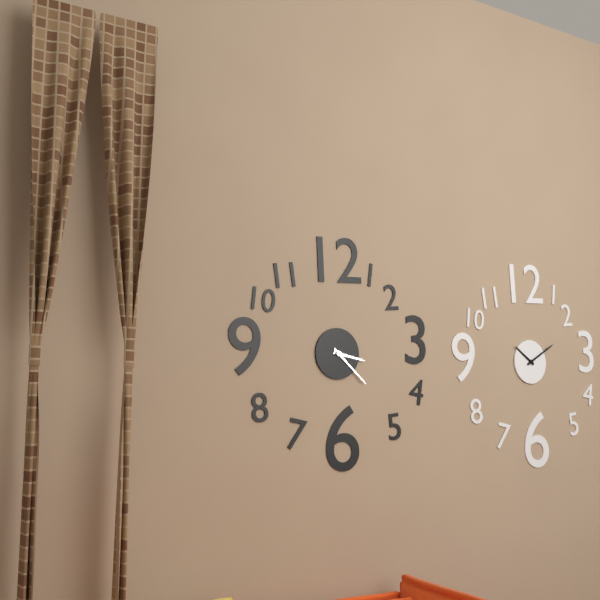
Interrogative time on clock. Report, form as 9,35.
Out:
3,22
